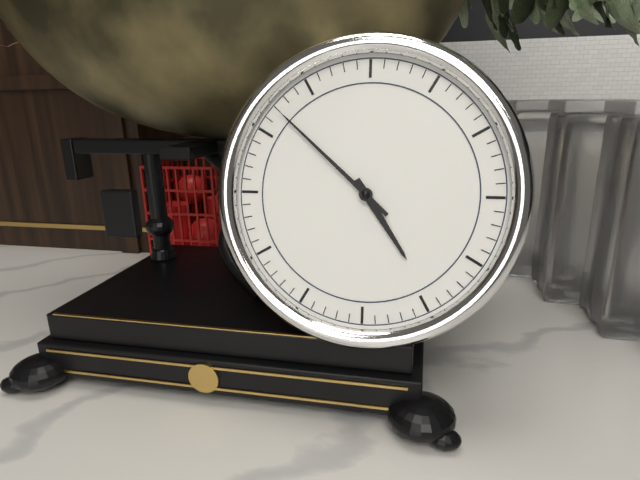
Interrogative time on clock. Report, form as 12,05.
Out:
4,52
